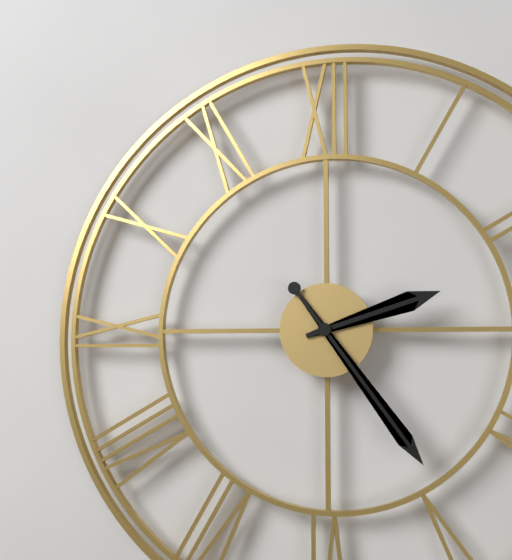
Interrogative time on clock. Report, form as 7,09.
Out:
2,24
